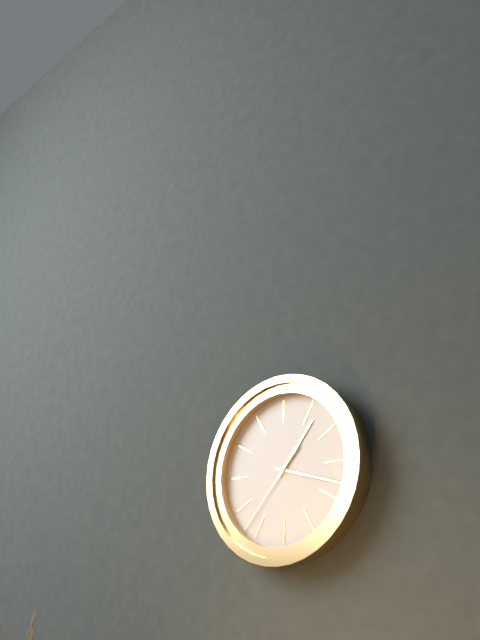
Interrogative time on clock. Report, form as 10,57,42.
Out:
1,18,37
